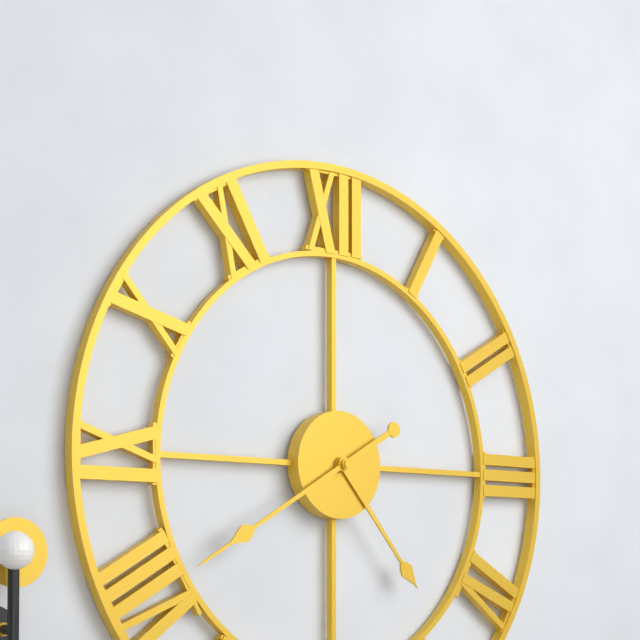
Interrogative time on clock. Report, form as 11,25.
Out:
4,40
